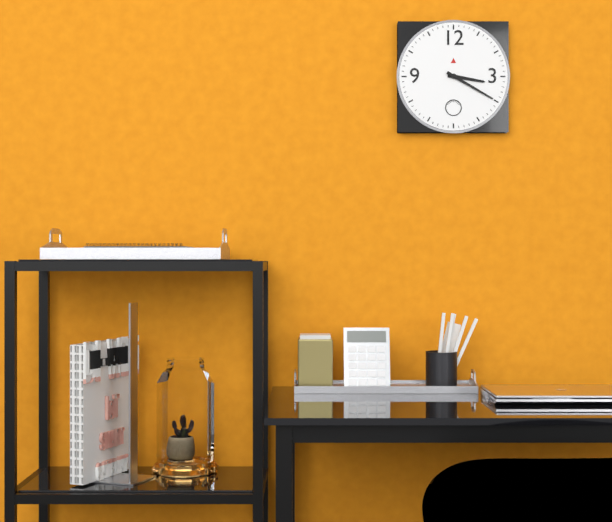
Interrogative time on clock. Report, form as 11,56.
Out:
3,20
